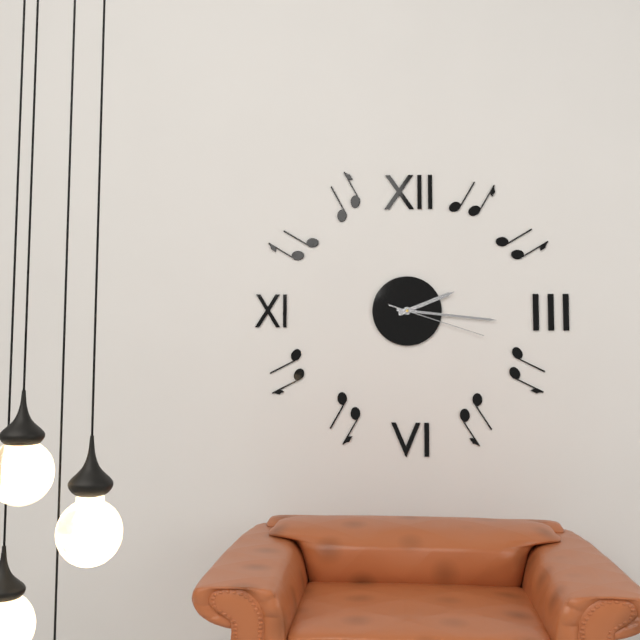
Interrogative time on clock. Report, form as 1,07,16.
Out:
2,16,18
